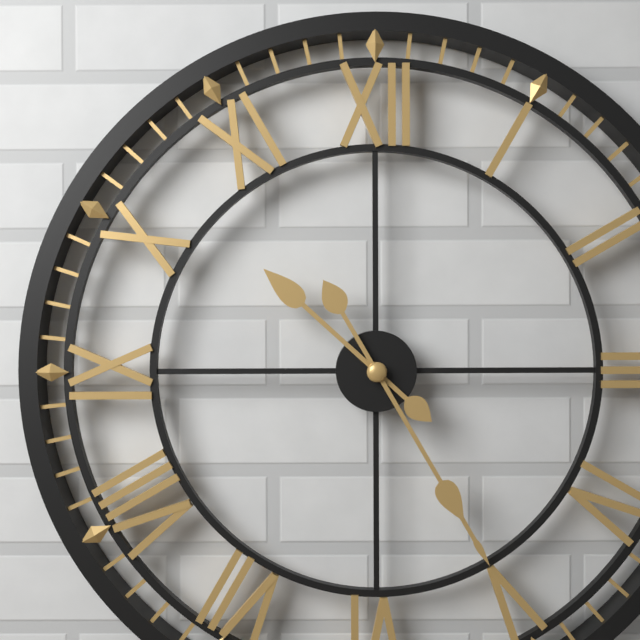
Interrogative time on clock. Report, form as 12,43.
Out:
10,25
